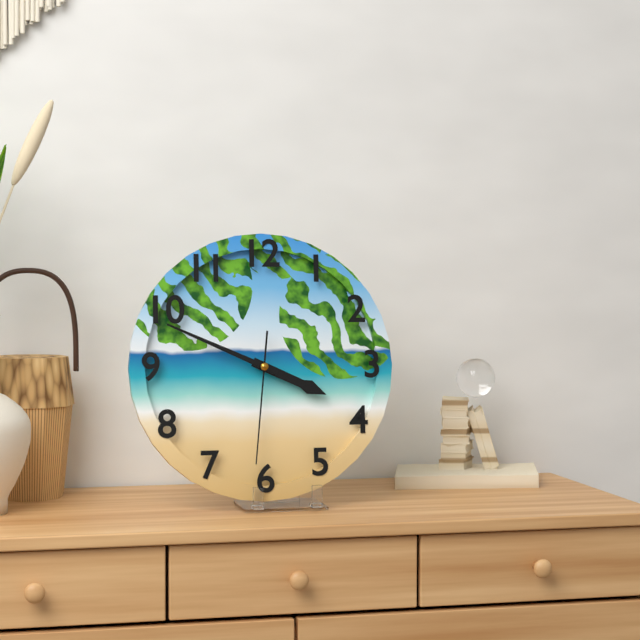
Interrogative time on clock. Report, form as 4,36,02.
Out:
3,49,31
